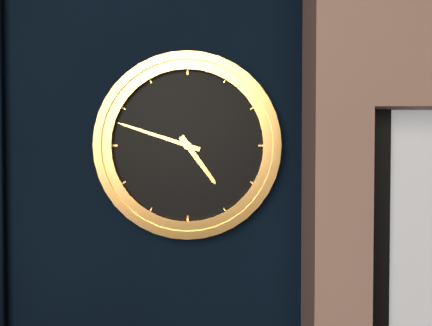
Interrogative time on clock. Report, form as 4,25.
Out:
4,48
